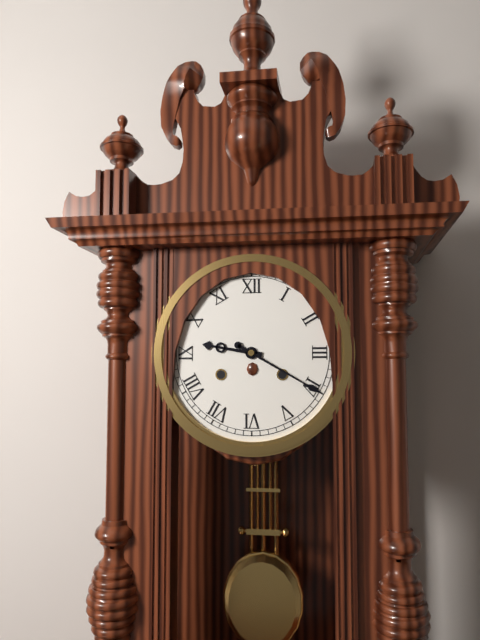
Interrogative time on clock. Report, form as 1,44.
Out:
9,20
